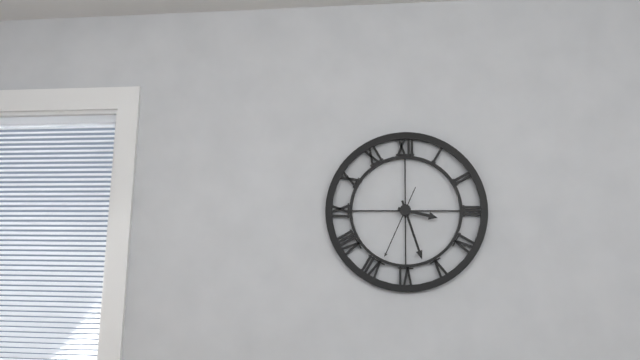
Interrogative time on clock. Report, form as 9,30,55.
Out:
3,27,34
